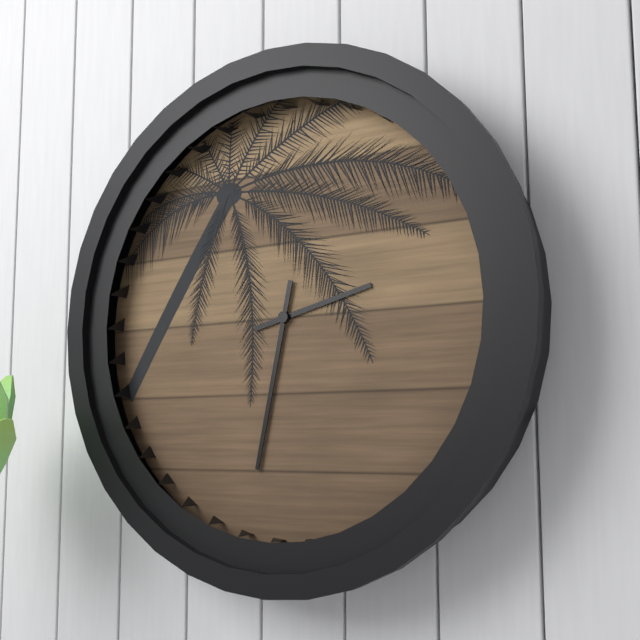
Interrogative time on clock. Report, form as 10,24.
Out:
2,32
